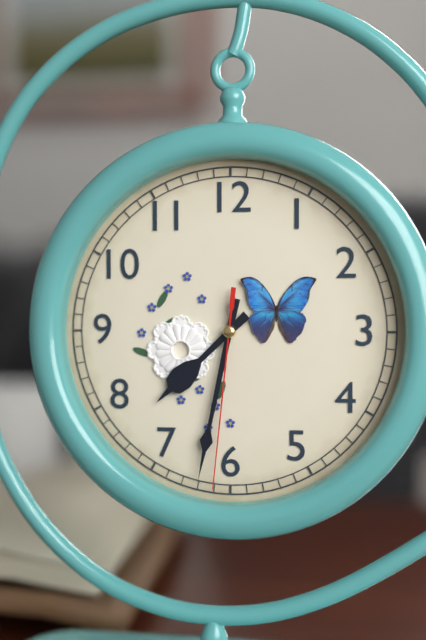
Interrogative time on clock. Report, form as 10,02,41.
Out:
7,32,31
